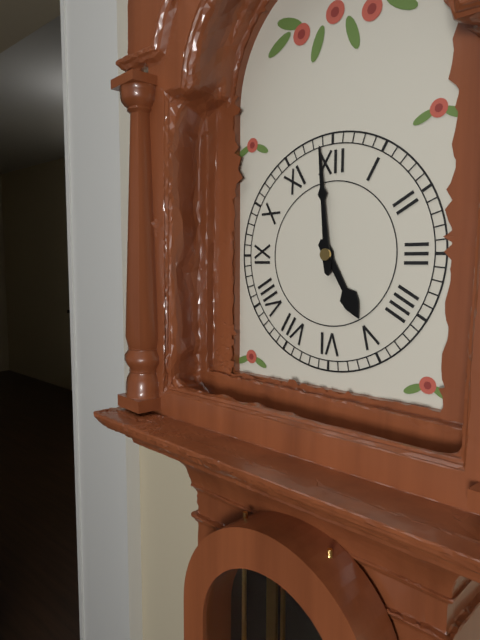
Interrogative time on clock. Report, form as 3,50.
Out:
4,59
